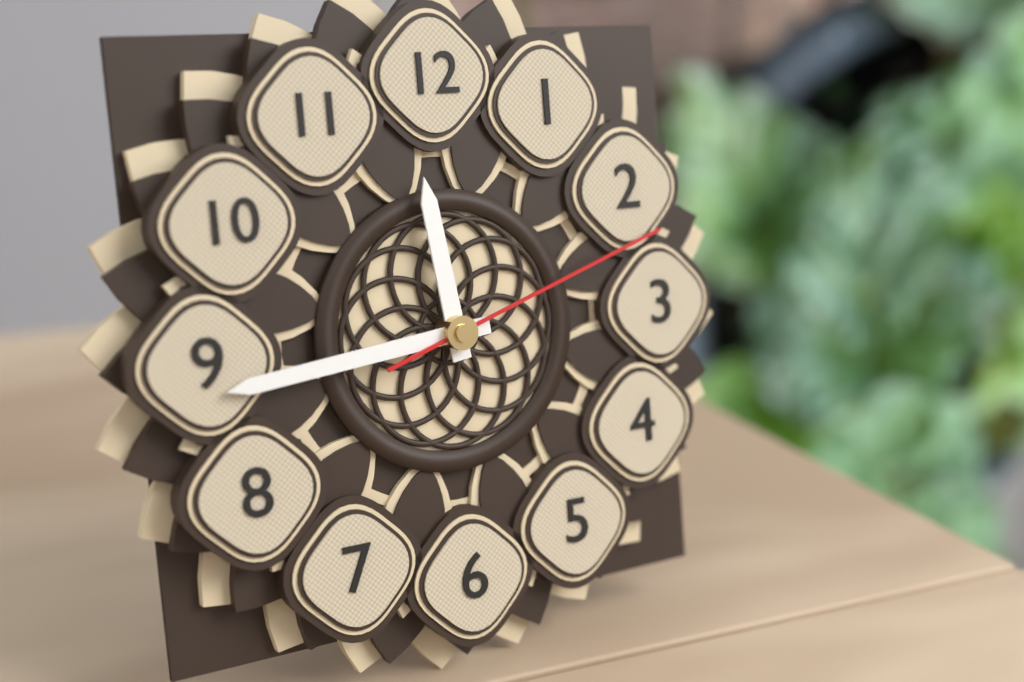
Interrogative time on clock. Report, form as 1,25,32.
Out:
11,44,12
